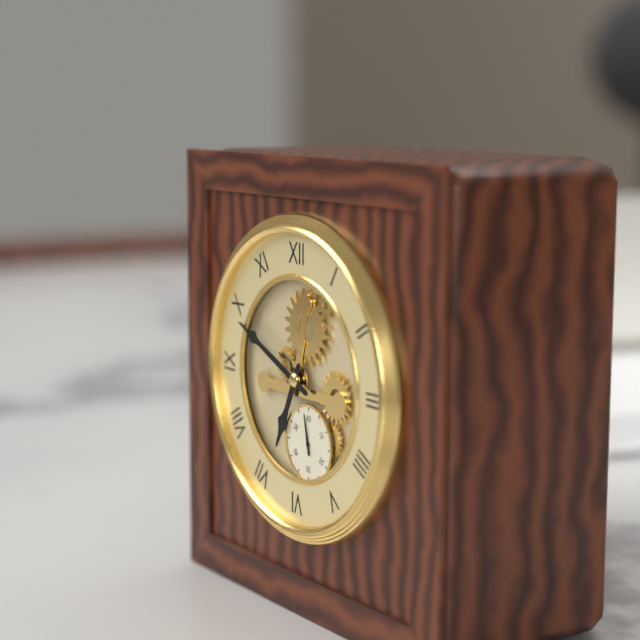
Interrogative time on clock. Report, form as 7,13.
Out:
6,49
